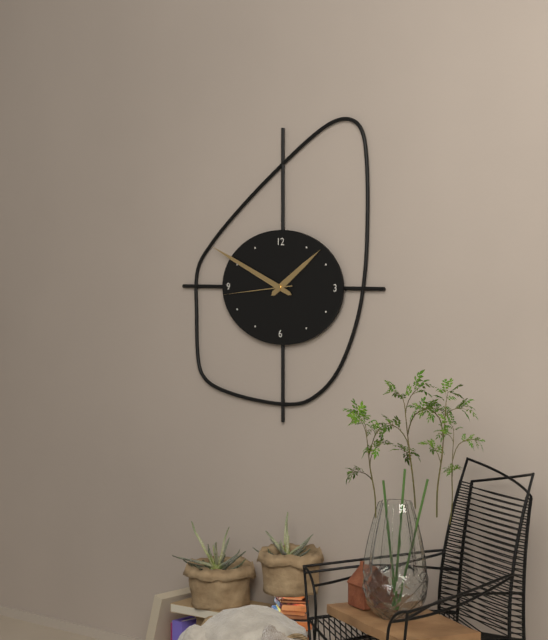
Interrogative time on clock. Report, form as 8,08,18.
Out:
1,49,44
